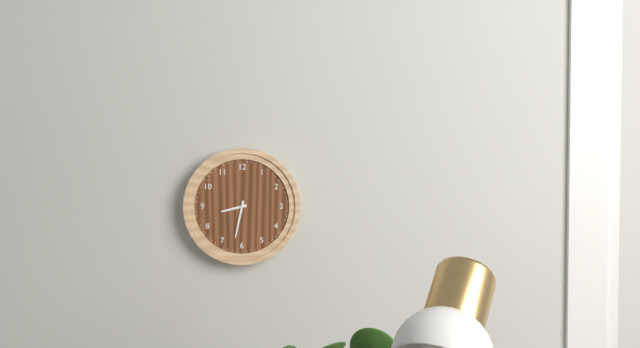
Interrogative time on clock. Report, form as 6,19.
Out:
8,32
